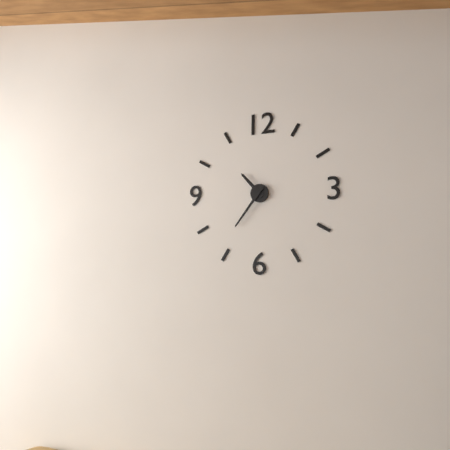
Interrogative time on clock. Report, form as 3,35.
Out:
10,36
